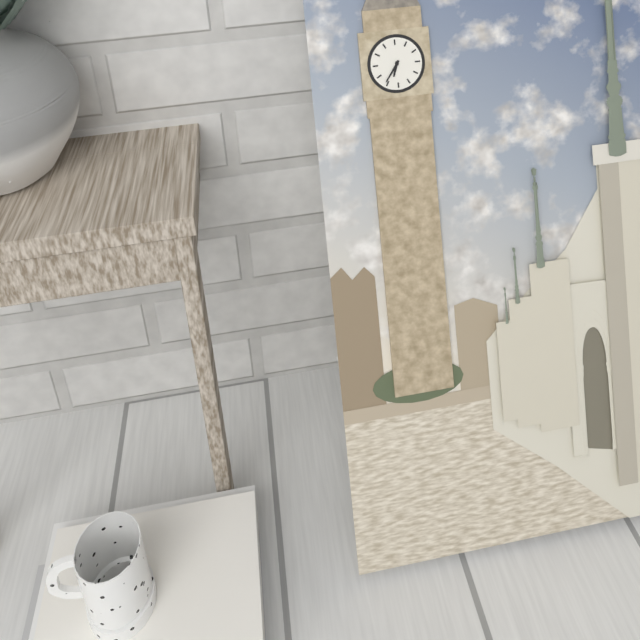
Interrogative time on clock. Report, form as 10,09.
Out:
6,36
